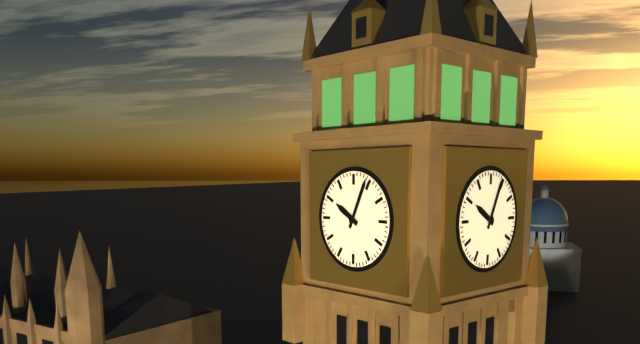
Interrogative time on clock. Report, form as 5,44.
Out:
10,04
